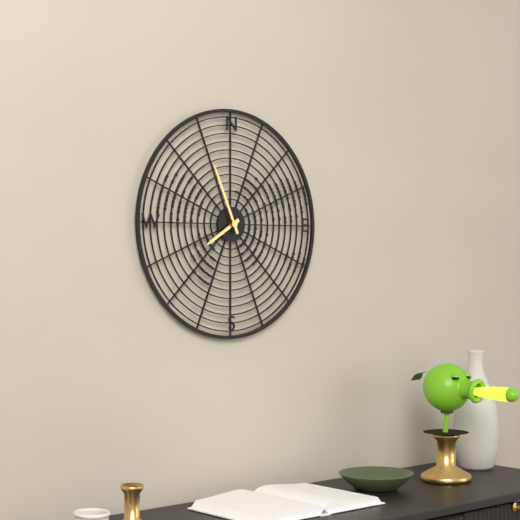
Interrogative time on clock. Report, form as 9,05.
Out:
7,56
